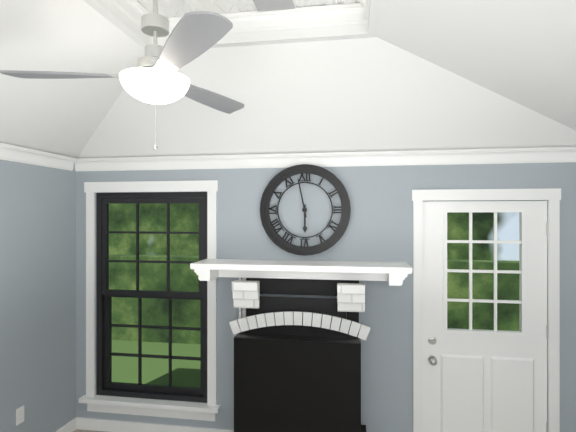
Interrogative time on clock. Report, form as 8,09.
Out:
5,58
